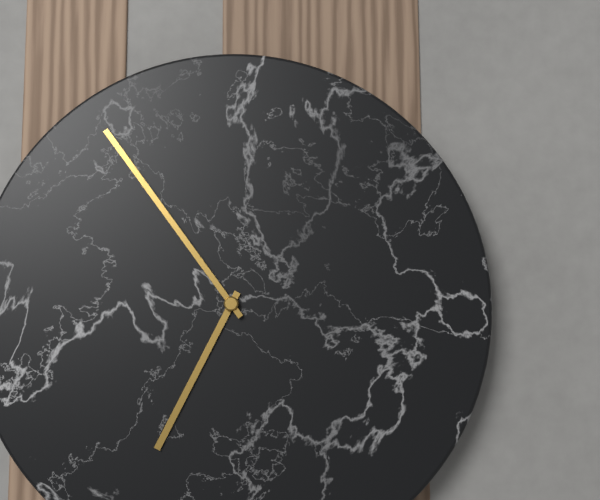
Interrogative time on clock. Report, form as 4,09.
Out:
6,54
